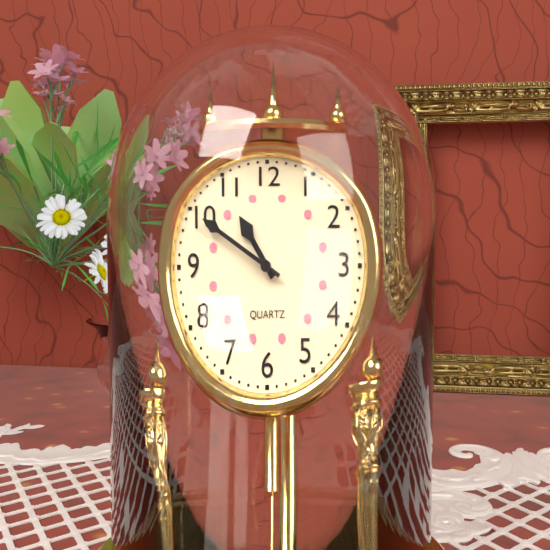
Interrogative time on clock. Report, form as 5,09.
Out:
10,50
